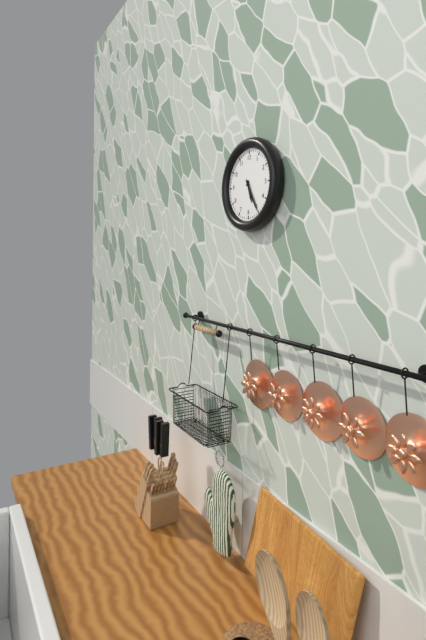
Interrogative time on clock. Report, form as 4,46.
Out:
5,25
